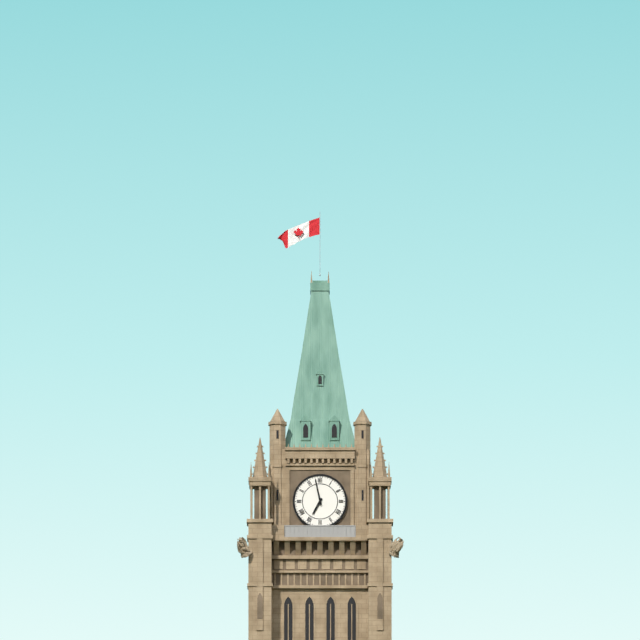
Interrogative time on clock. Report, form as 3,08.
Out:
6,58
